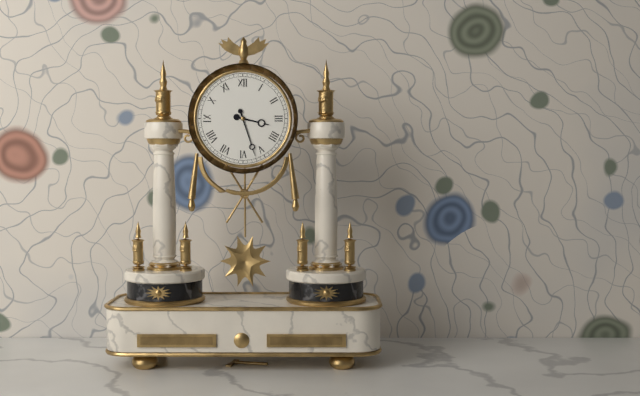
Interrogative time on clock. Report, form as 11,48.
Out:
3,27
